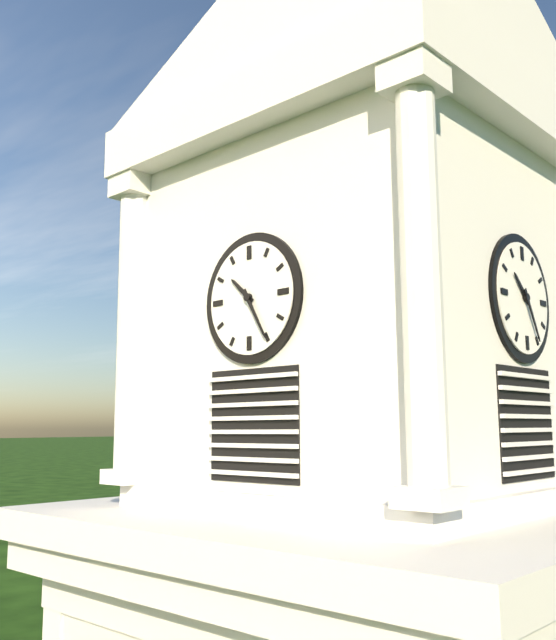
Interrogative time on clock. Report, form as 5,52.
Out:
10,25
